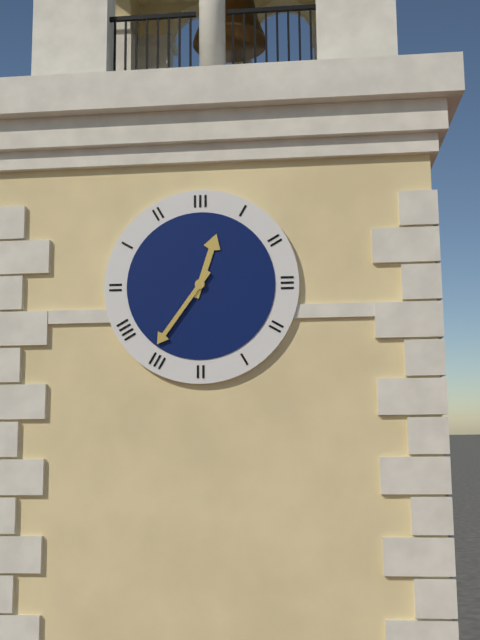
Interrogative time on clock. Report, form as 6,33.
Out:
12,36
